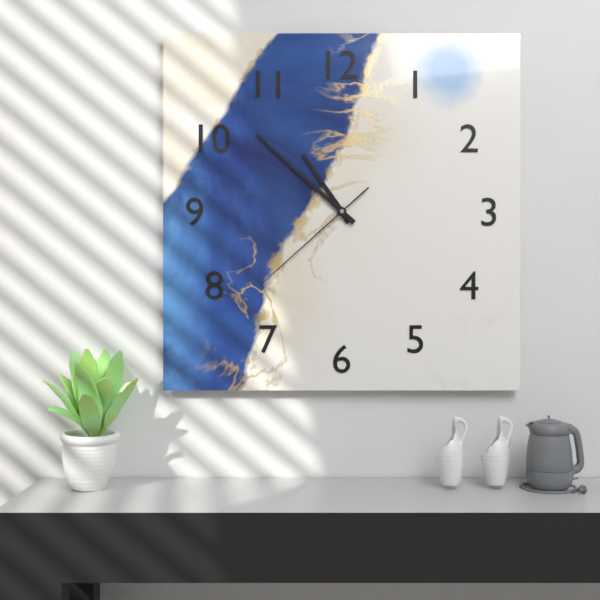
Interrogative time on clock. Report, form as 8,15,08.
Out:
10,52,38
